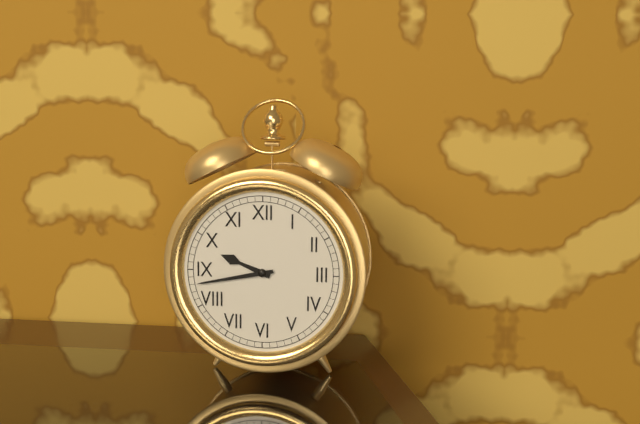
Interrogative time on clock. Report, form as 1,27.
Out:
9,43
